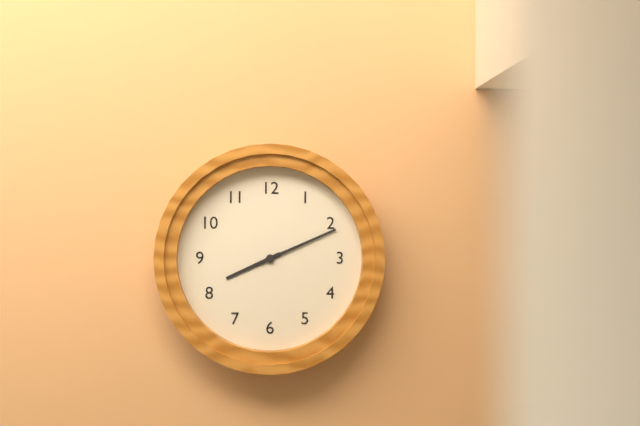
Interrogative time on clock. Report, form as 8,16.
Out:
8,11
